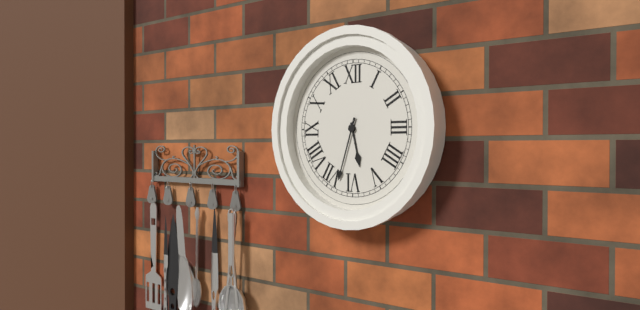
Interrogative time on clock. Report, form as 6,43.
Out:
5,33
